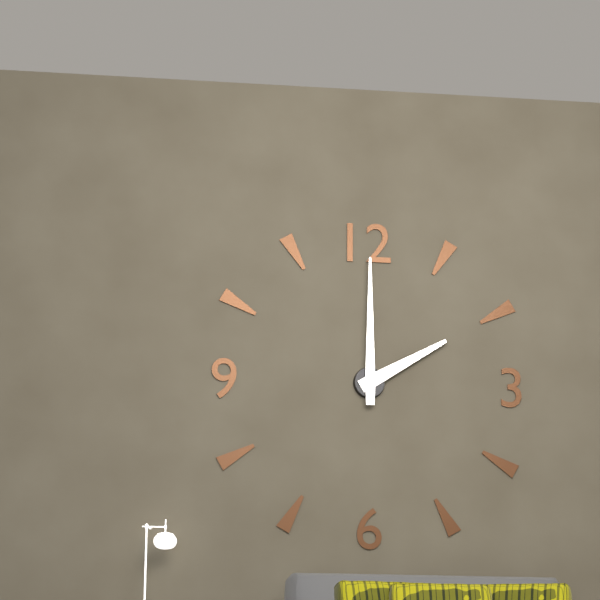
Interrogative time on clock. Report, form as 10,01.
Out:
2,00
